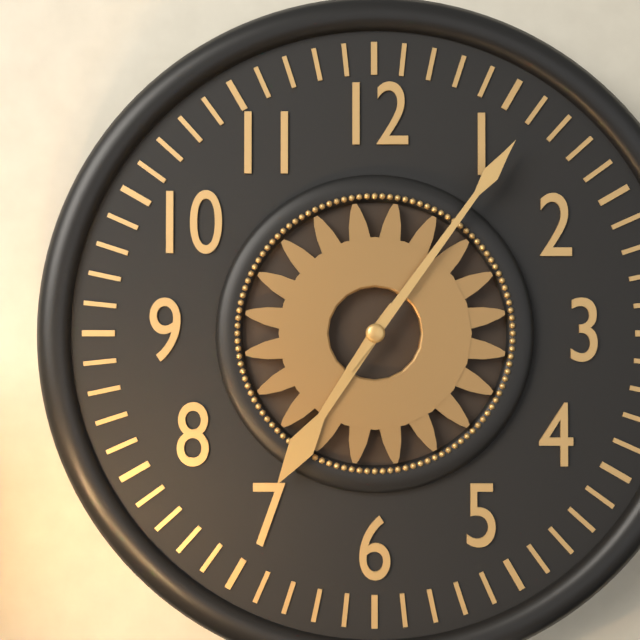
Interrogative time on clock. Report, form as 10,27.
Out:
7,06
